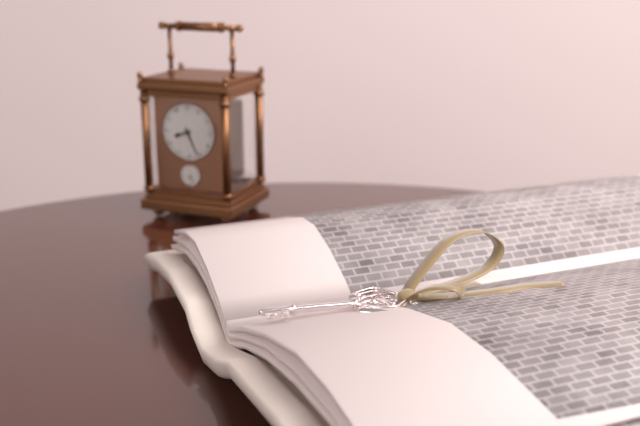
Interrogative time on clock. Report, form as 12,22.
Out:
8,26
